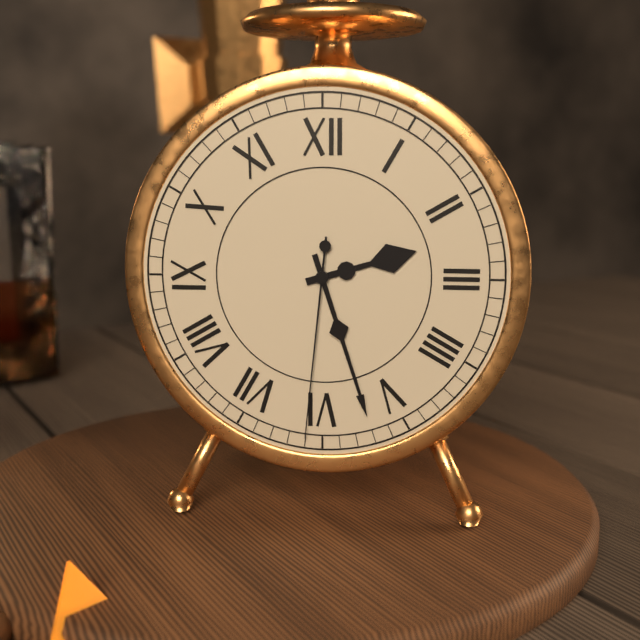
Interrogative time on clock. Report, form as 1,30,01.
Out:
2,27,31
